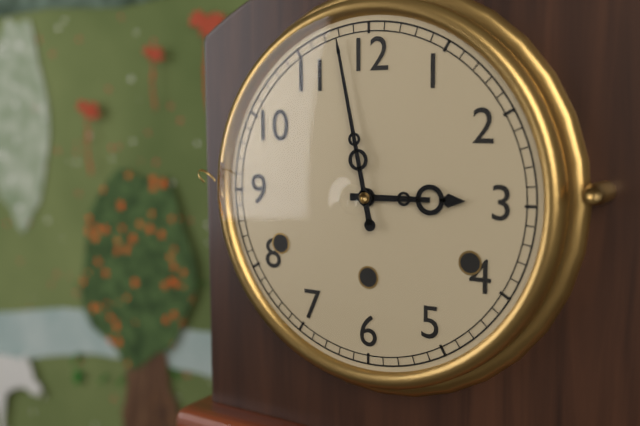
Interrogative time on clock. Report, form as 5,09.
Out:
2,58
